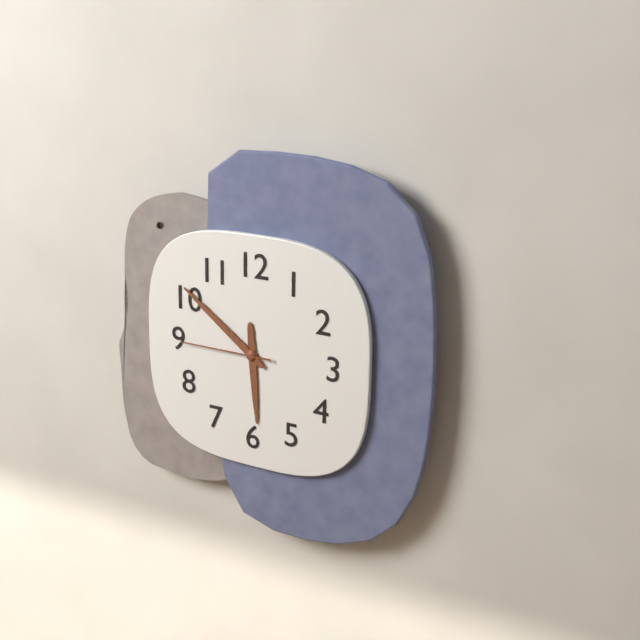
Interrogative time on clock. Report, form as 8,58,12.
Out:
5,51,45
